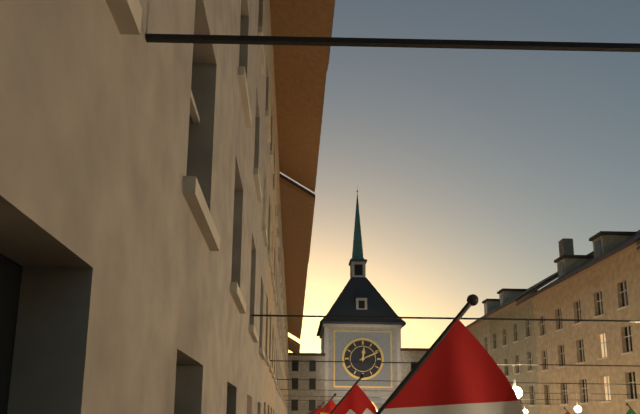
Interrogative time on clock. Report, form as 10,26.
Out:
12,11
